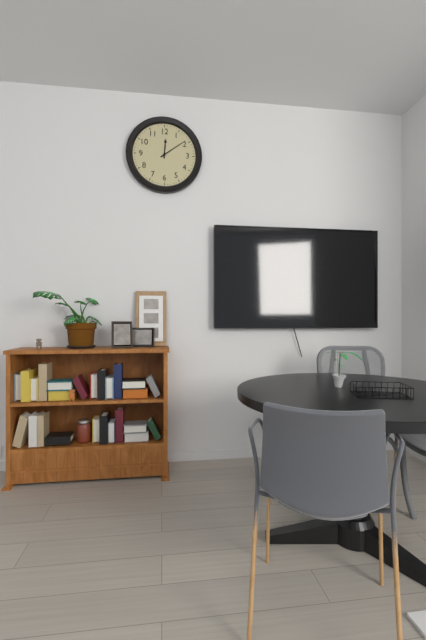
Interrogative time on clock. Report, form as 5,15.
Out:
12,09
